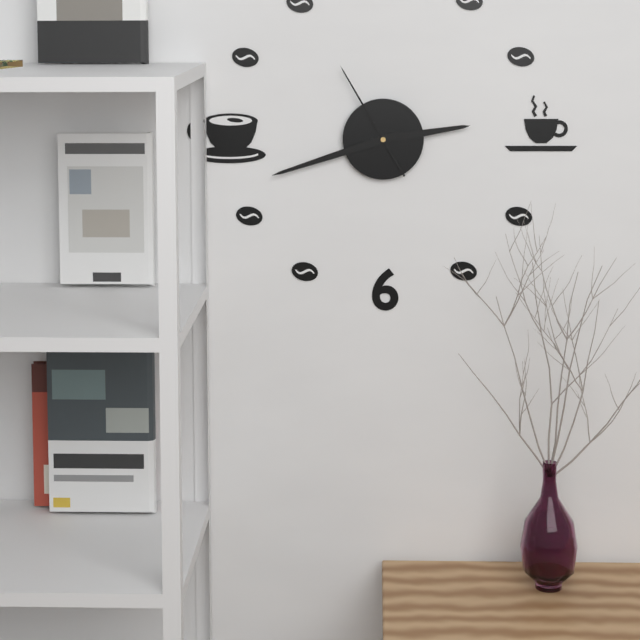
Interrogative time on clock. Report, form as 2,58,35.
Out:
2,42,55
